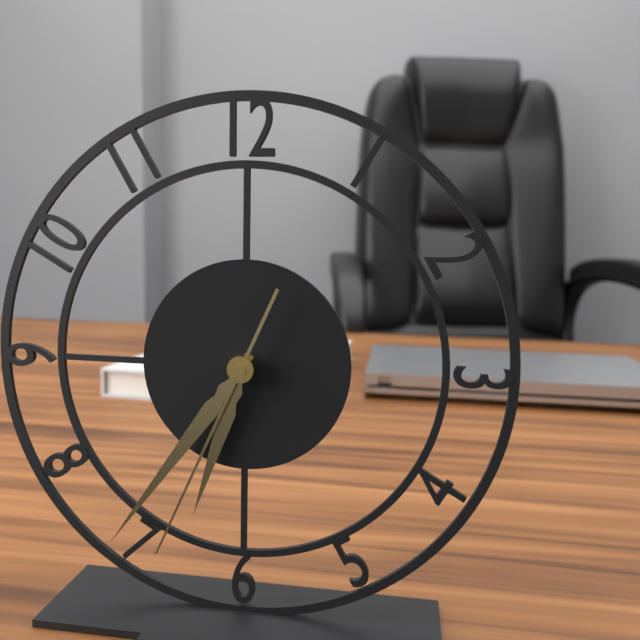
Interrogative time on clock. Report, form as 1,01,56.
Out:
6,36,34
